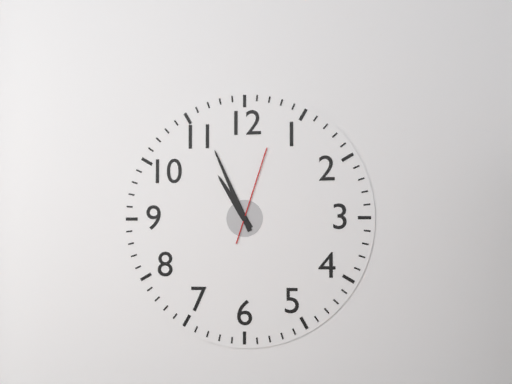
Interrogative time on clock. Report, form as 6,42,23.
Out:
10,56,03
